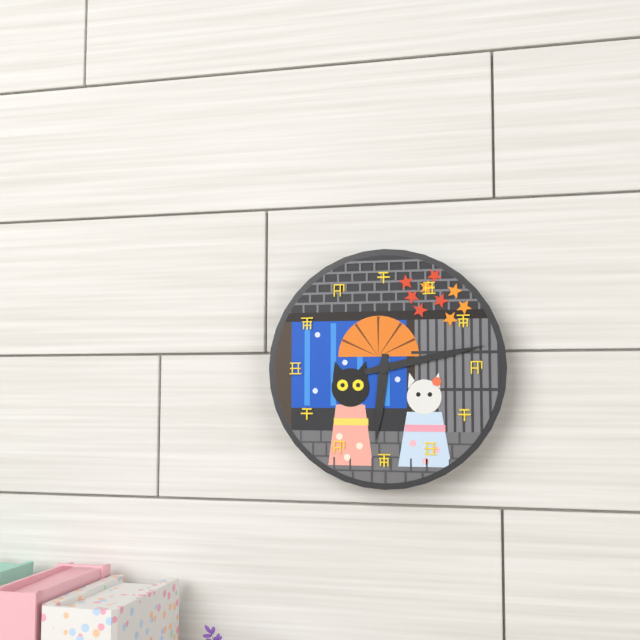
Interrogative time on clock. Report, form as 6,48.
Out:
6,13
